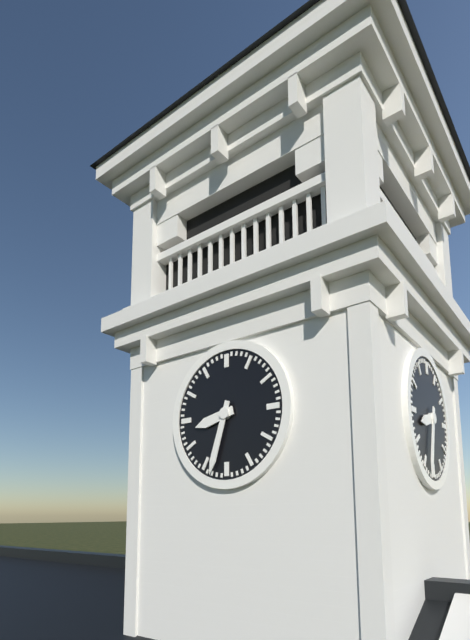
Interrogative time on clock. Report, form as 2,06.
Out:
8,33
